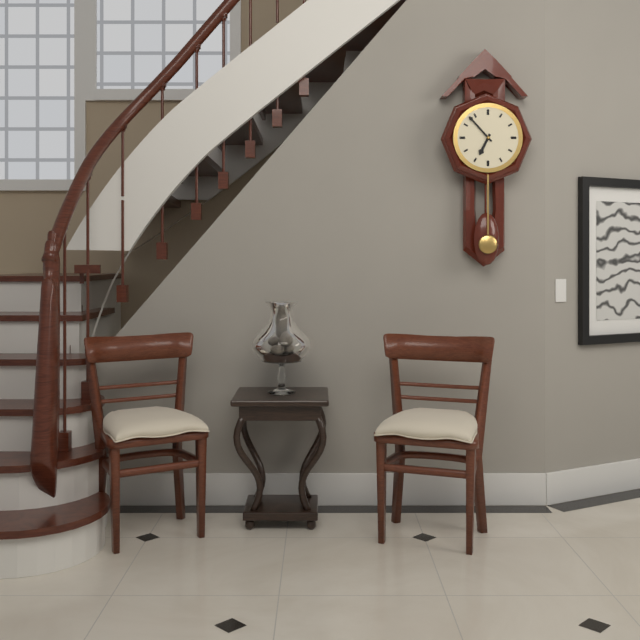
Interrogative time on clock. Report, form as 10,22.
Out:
6,53
